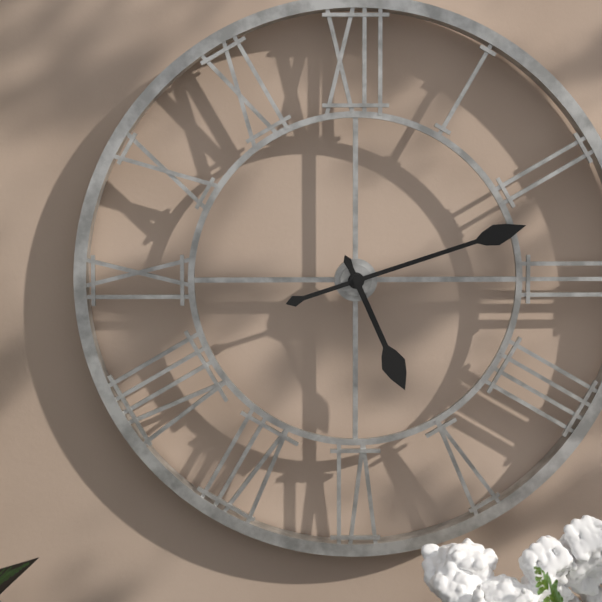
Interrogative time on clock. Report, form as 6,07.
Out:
5,12
